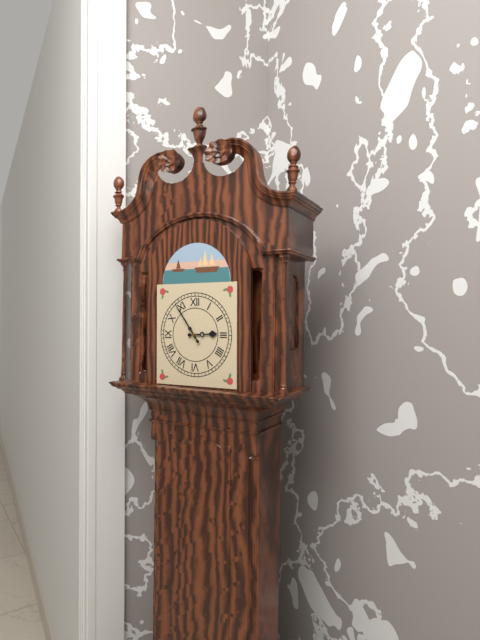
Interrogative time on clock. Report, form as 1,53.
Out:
2,54
